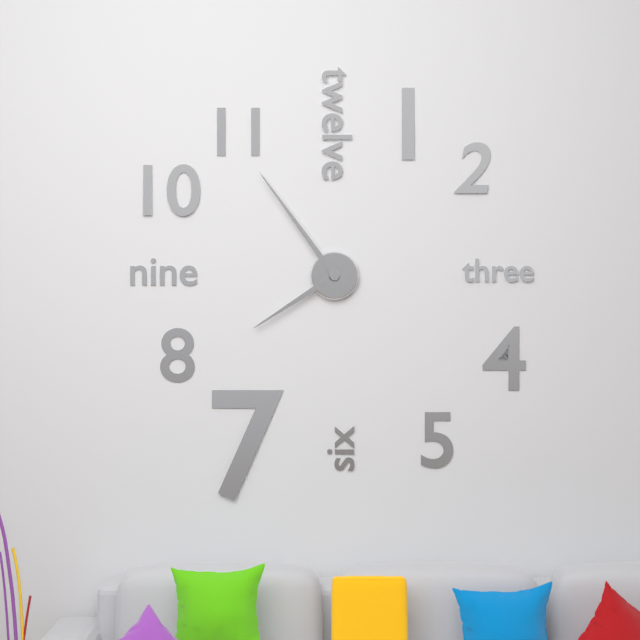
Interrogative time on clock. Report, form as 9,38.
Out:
7,54
